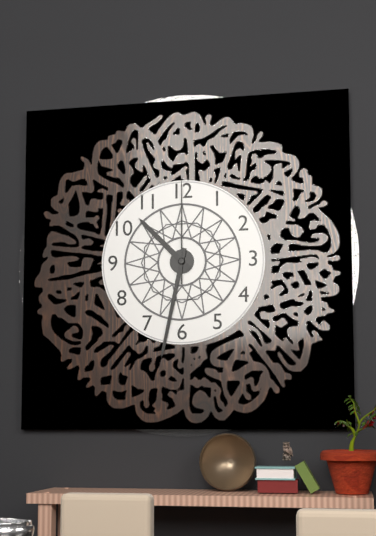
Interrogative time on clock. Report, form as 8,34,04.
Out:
10,32,00
